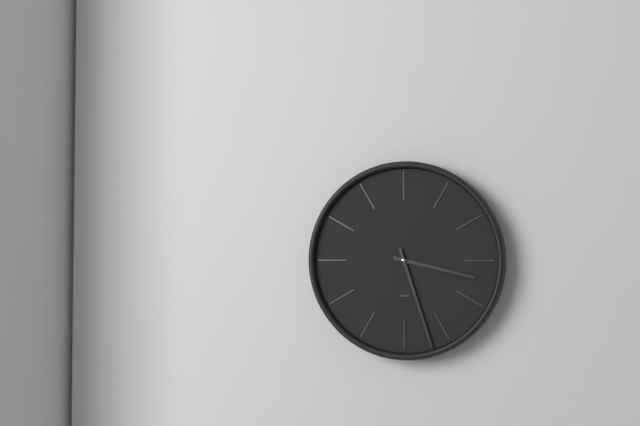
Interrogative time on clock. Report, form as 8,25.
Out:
3,27
